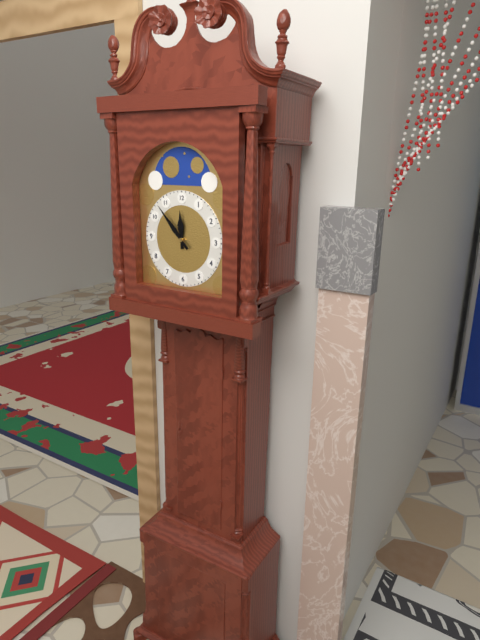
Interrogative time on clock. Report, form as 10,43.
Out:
11,53
